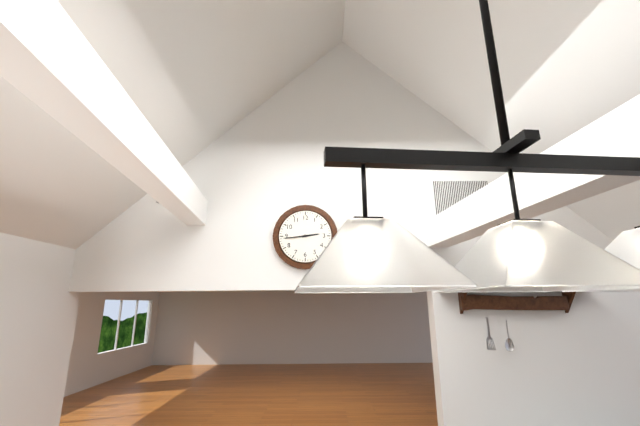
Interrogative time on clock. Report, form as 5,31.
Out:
2,44
